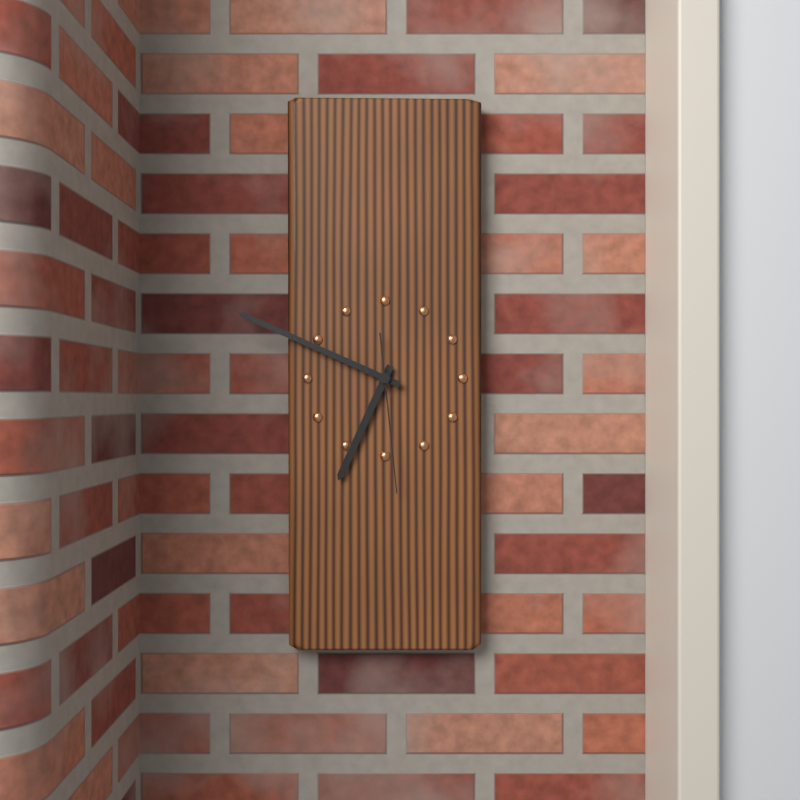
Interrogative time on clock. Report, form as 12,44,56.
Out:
6,49,29
